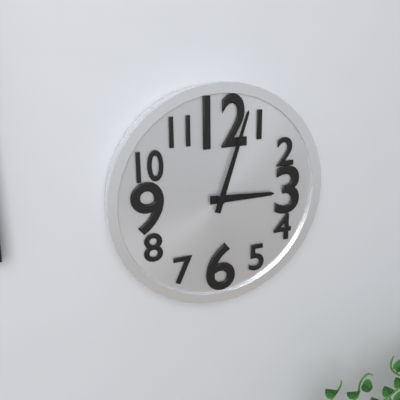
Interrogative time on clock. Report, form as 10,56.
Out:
3,03
